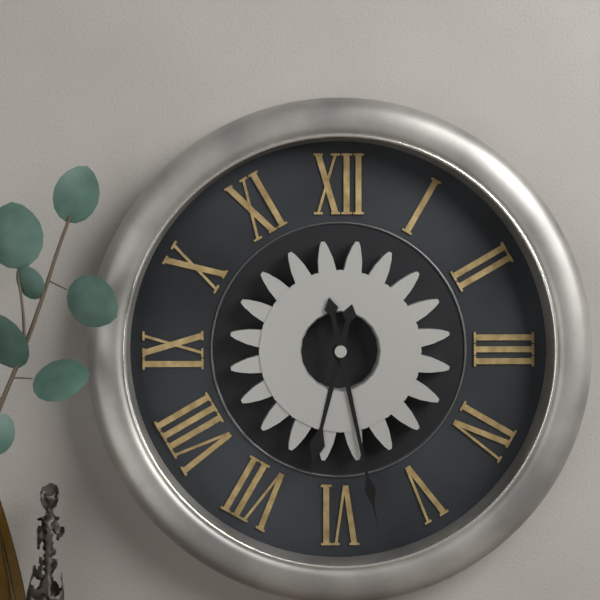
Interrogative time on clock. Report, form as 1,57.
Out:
6,28
